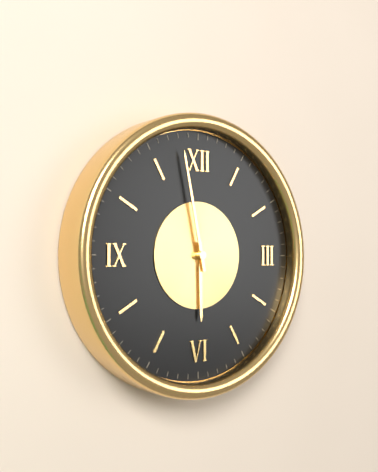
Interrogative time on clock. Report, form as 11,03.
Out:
5,58
